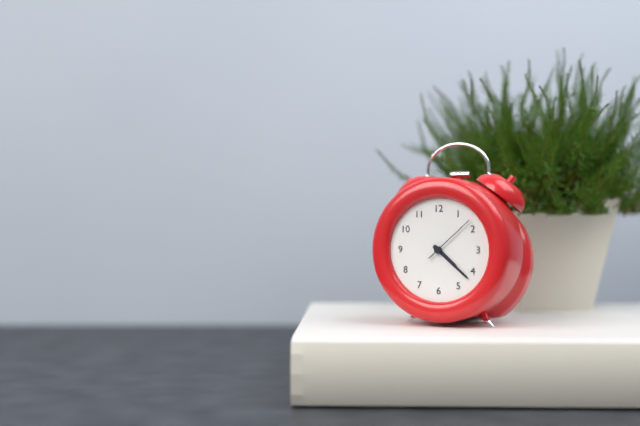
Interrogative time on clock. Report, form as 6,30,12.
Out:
4,22,08
